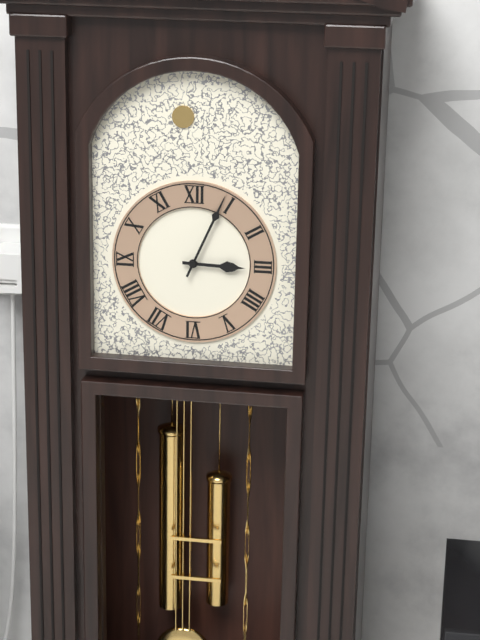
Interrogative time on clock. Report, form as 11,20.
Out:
3,04
